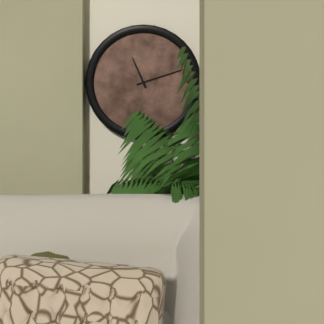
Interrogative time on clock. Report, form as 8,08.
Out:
11,12
